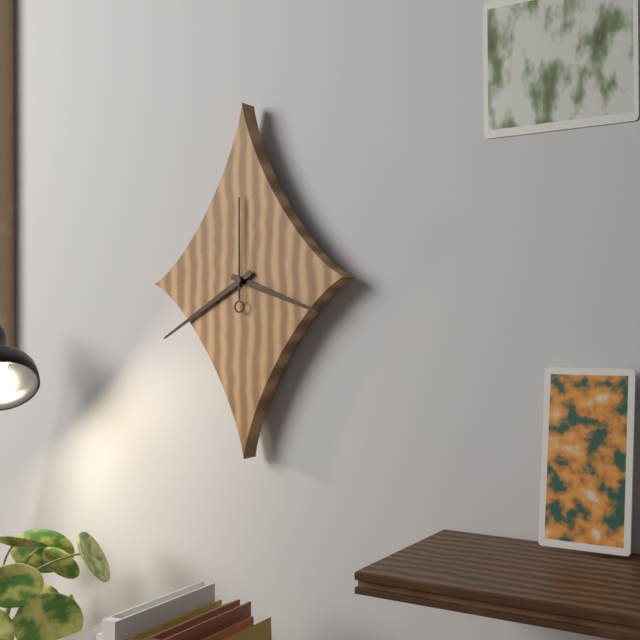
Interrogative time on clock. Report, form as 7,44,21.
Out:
3,40,00
